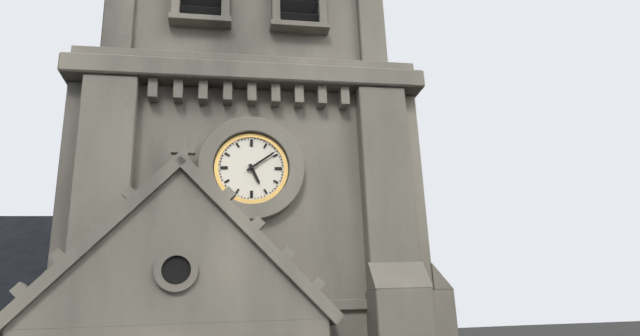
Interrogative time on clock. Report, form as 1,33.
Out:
5,09
